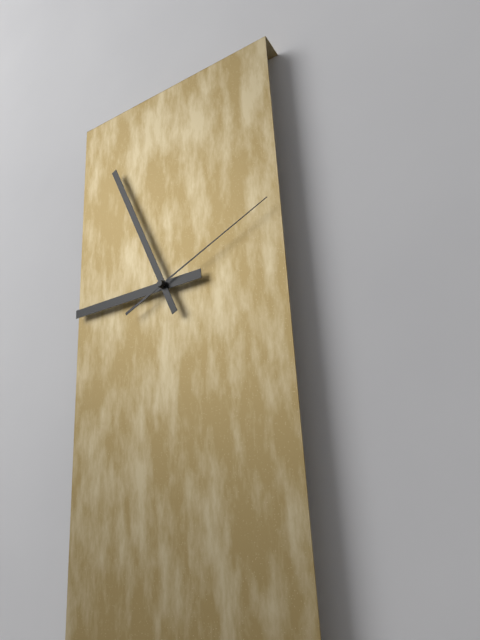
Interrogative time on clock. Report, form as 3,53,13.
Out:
8,56,11
